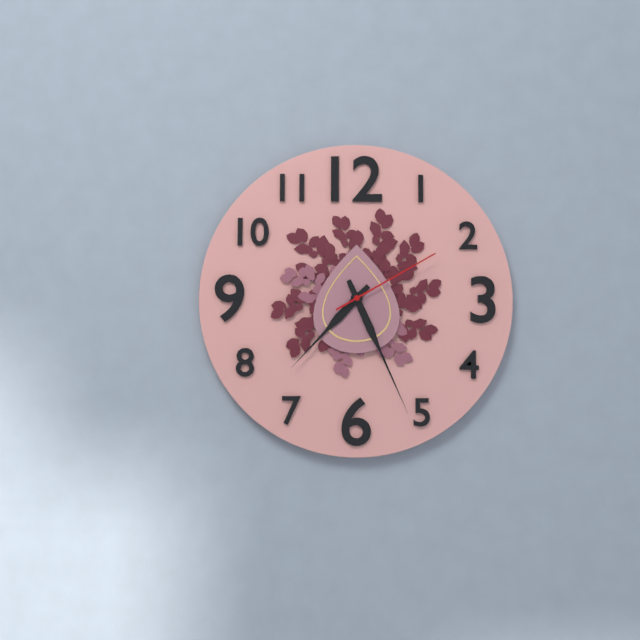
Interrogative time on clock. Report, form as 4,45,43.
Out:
7,26,10
